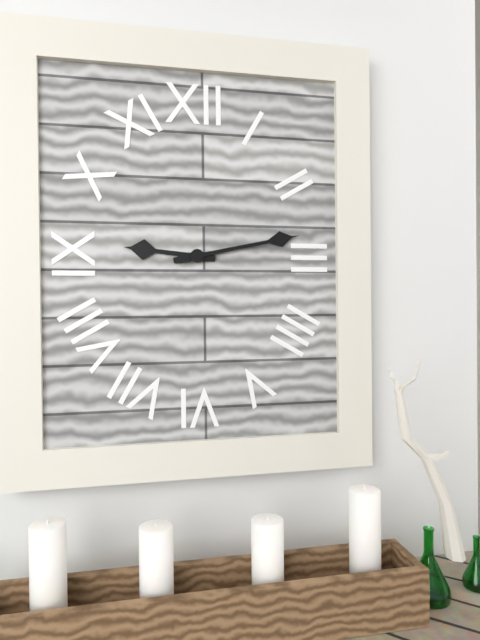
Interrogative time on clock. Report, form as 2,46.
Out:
9,13
